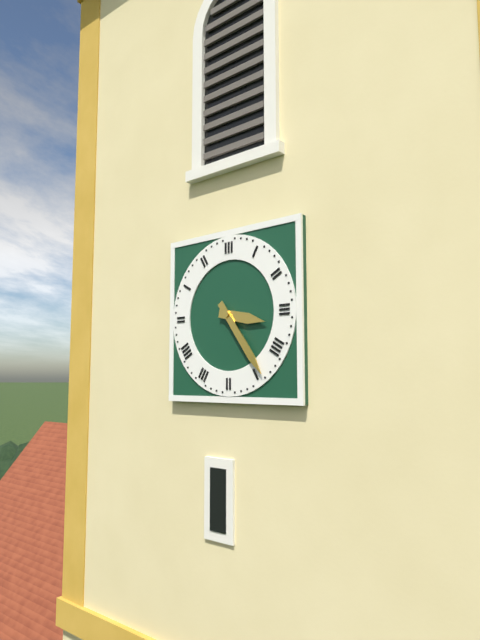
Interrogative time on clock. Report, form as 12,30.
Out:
3,24
